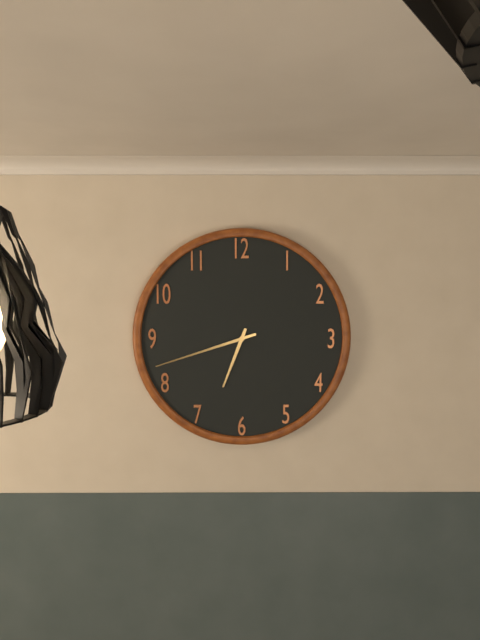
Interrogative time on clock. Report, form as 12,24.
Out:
6,42
